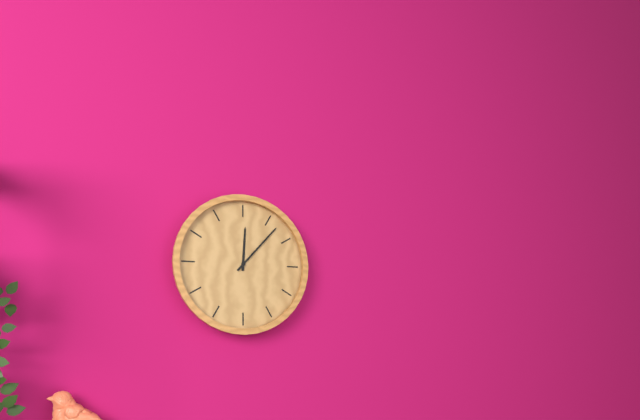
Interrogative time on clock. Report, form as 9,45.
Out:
12,07
